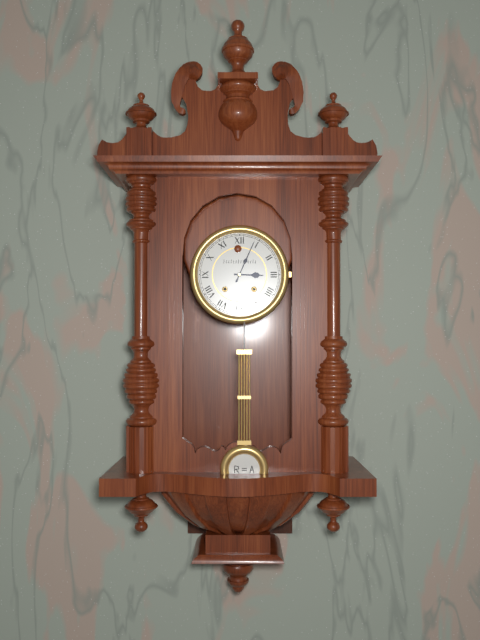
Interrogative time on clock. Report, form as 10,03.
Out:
3,04
